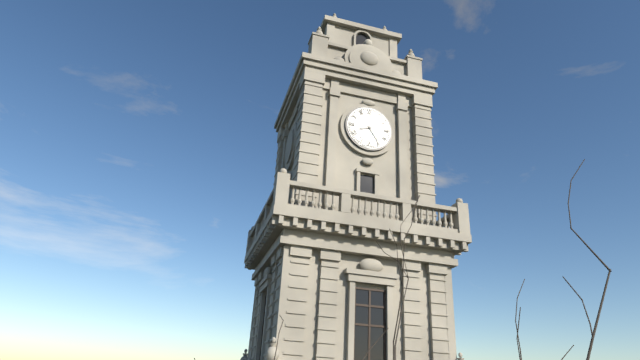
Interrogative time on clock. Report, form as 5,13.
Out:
8,24
